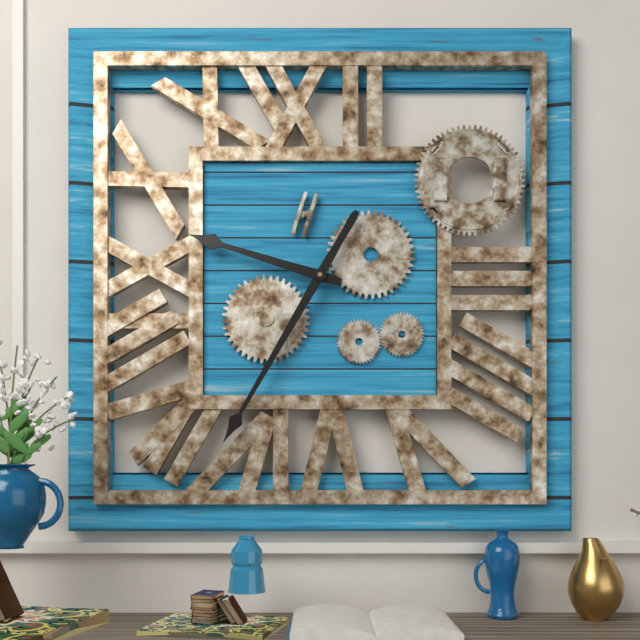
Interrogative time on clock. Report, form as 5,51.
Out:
9,35
